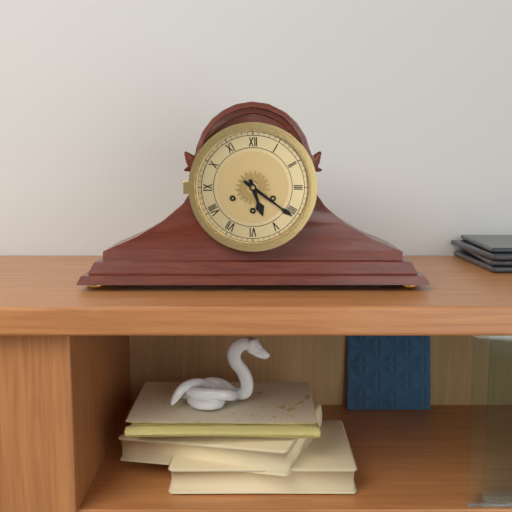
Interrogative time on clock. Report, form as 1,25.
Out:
5,21
